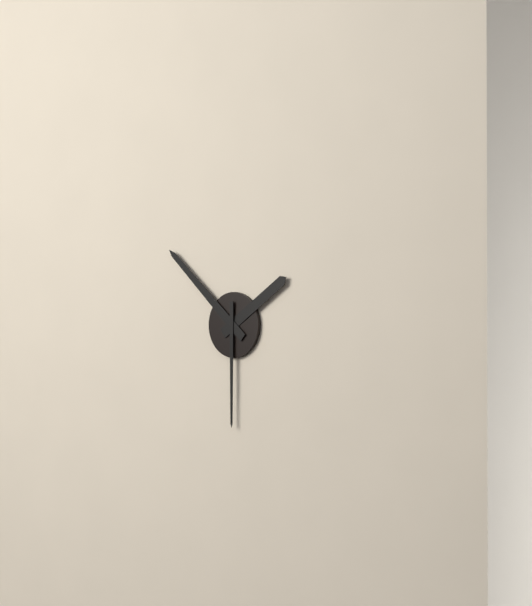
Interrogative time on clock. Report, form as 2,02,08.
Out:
1,52,30
